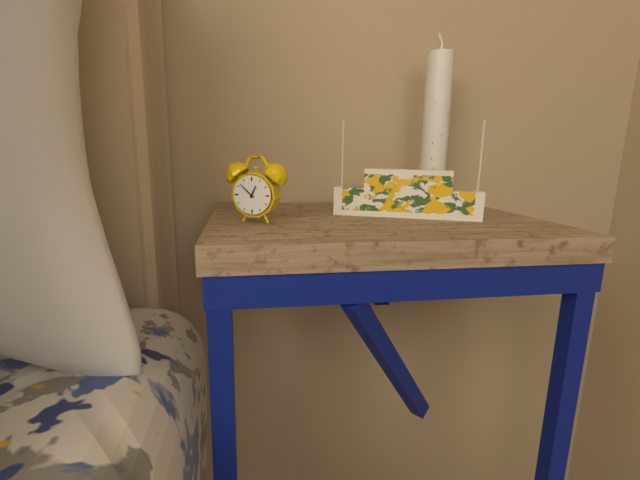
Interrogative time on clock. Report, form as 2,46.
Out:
12,52
